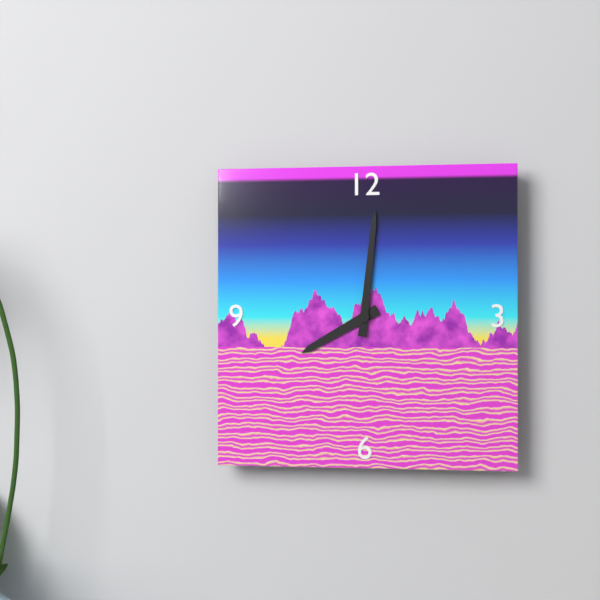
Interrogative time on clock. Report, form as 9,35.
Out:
8,01
